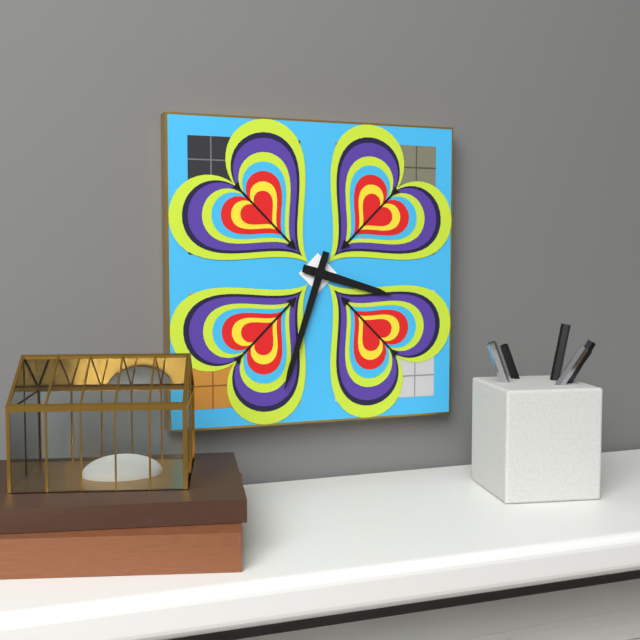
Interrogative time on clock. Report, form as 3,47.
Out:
3,33
